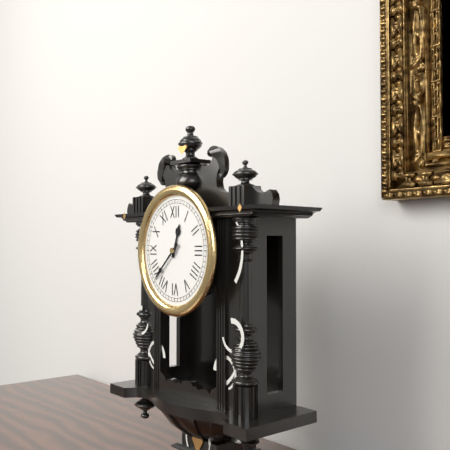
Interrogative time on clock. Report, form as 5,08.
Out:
12,38
